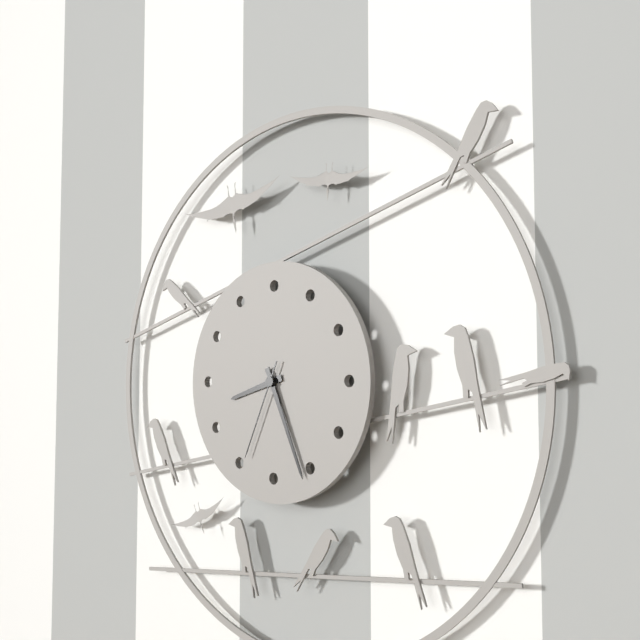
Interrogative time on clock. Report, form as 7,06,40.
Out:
8,26,34
